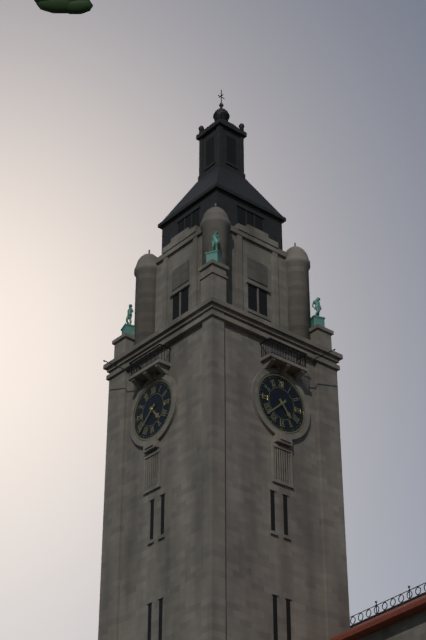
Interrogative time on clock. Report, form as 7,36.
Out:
4,38
